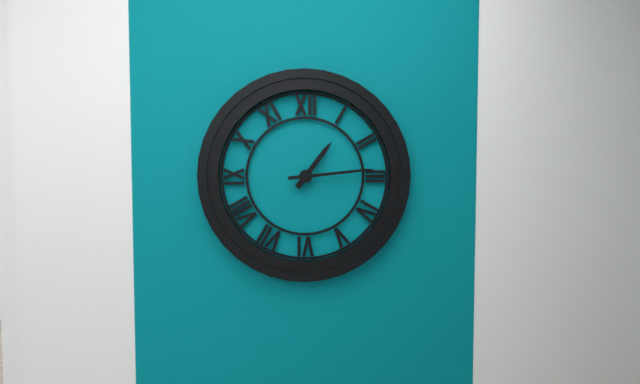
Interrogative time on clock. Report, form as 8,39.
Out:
1,14
